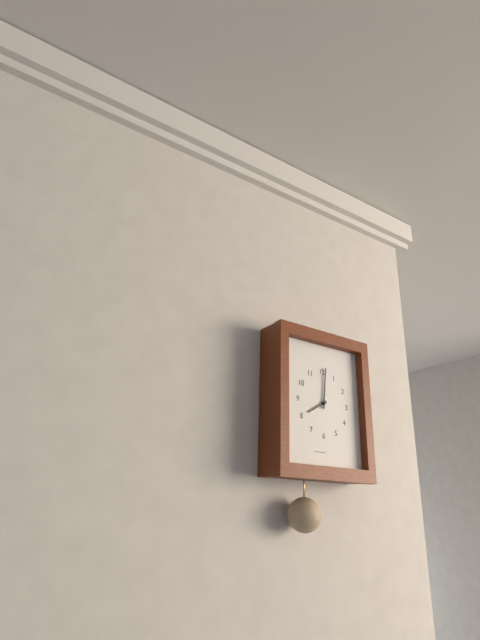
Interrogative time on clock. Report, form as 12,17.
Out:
8,01
